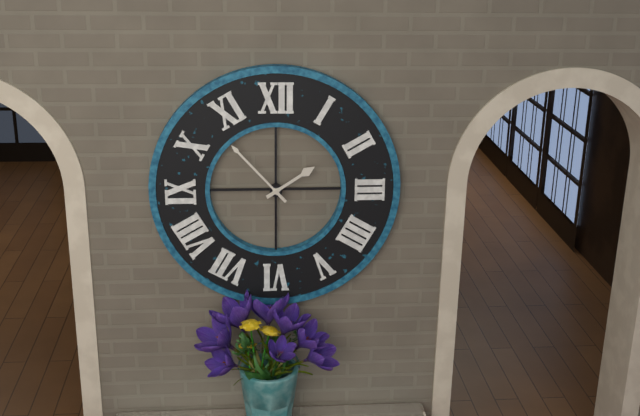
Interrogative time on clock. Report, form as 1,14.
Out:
1,53
